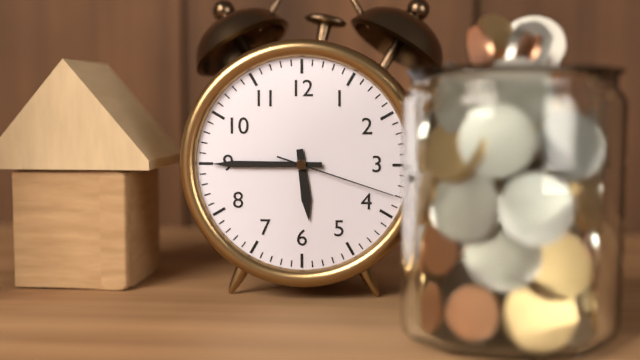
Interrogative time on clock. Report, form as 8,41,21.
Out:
5,45,18
